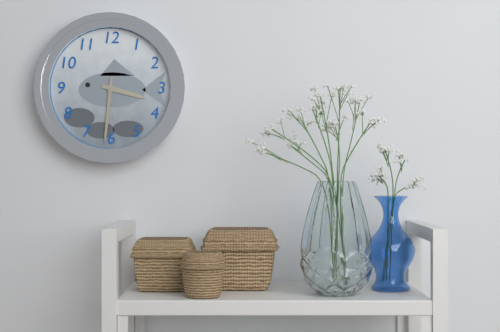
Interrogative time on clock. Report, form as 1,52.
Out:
3,31
